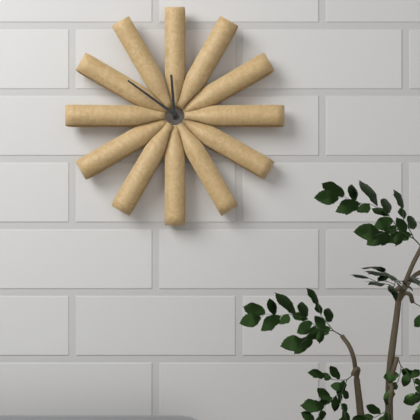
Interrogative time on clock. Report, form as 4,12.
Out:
11,51
